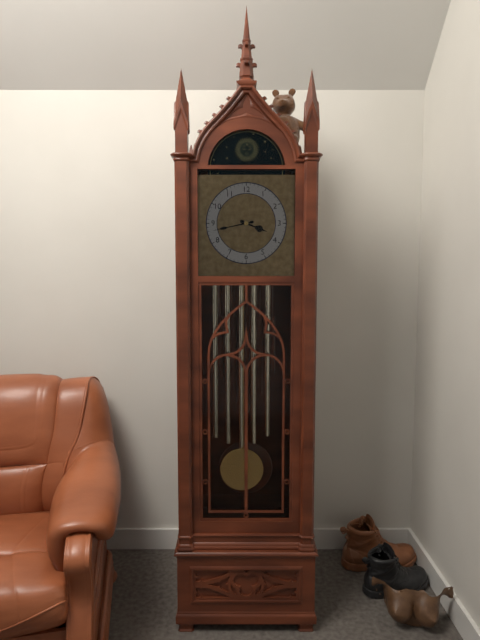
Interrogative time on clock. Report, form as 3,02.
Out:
3,43
